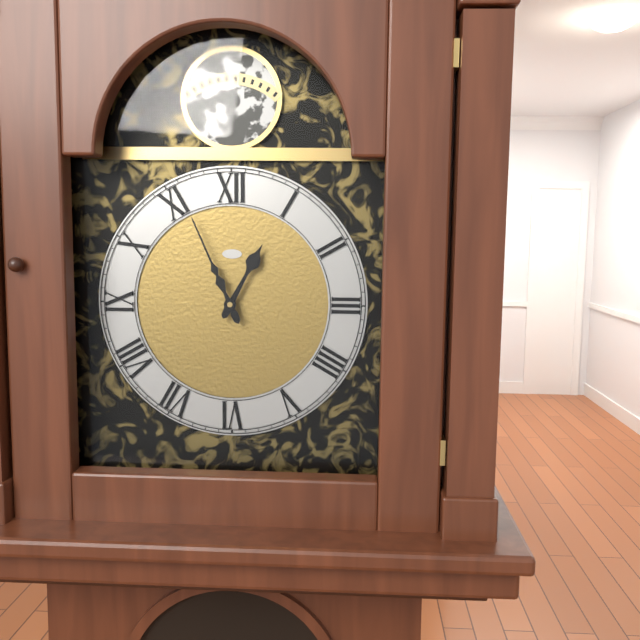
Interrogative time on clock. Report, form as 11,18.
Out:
12,56
